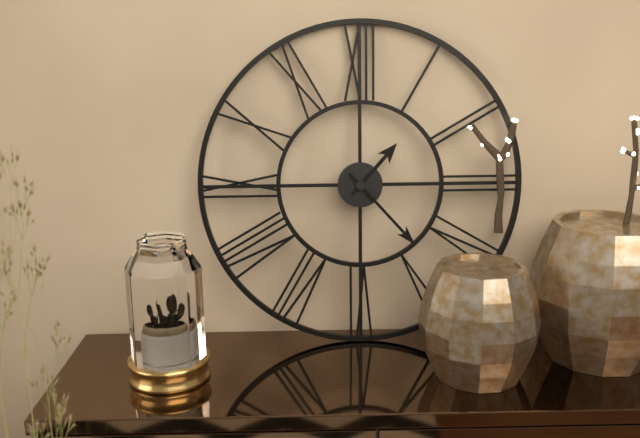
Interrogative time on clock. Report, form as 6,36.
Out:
1,23
